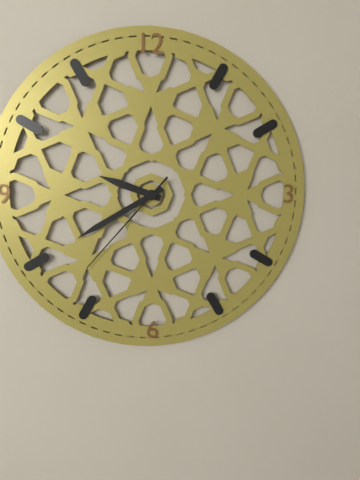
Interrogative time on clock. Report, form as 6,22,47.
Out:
9,40,37
